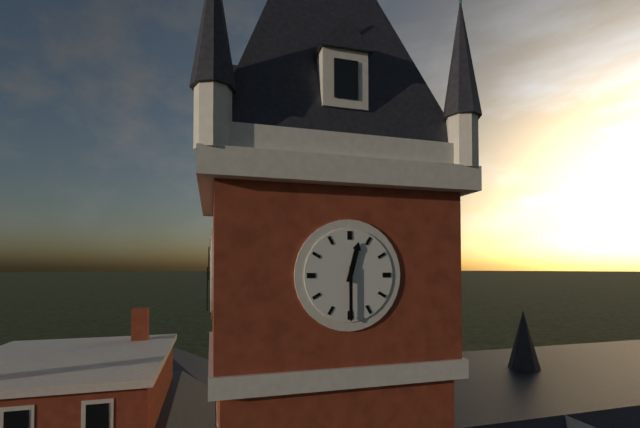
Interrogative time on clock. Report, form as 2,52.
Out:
12,30
